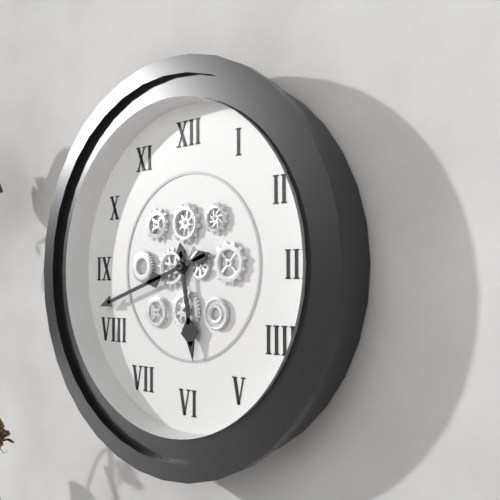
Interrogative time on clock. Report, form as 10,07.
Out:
5,42
